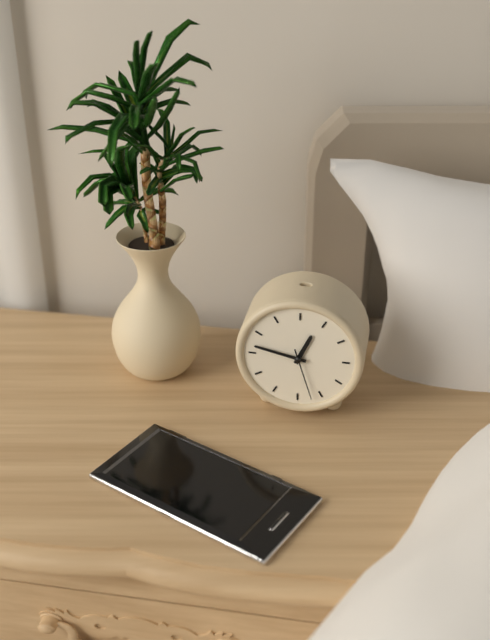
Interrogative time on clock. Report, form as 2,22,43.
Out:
12,47,27
